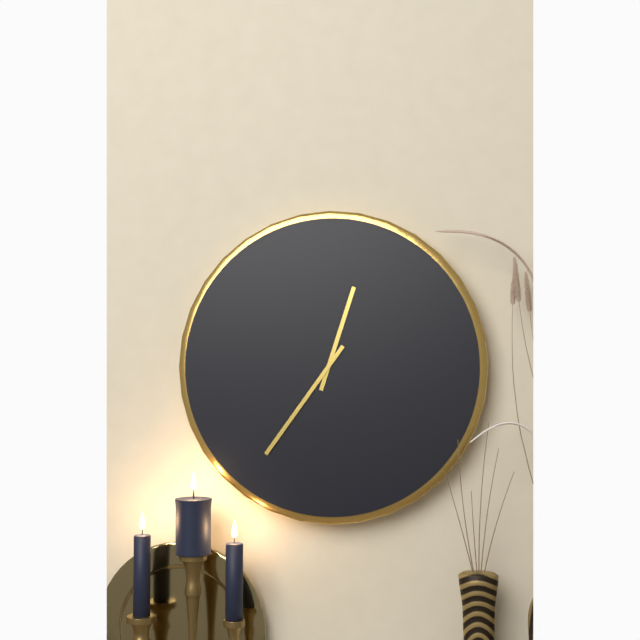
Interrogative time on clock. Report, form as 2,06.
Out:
12,36
